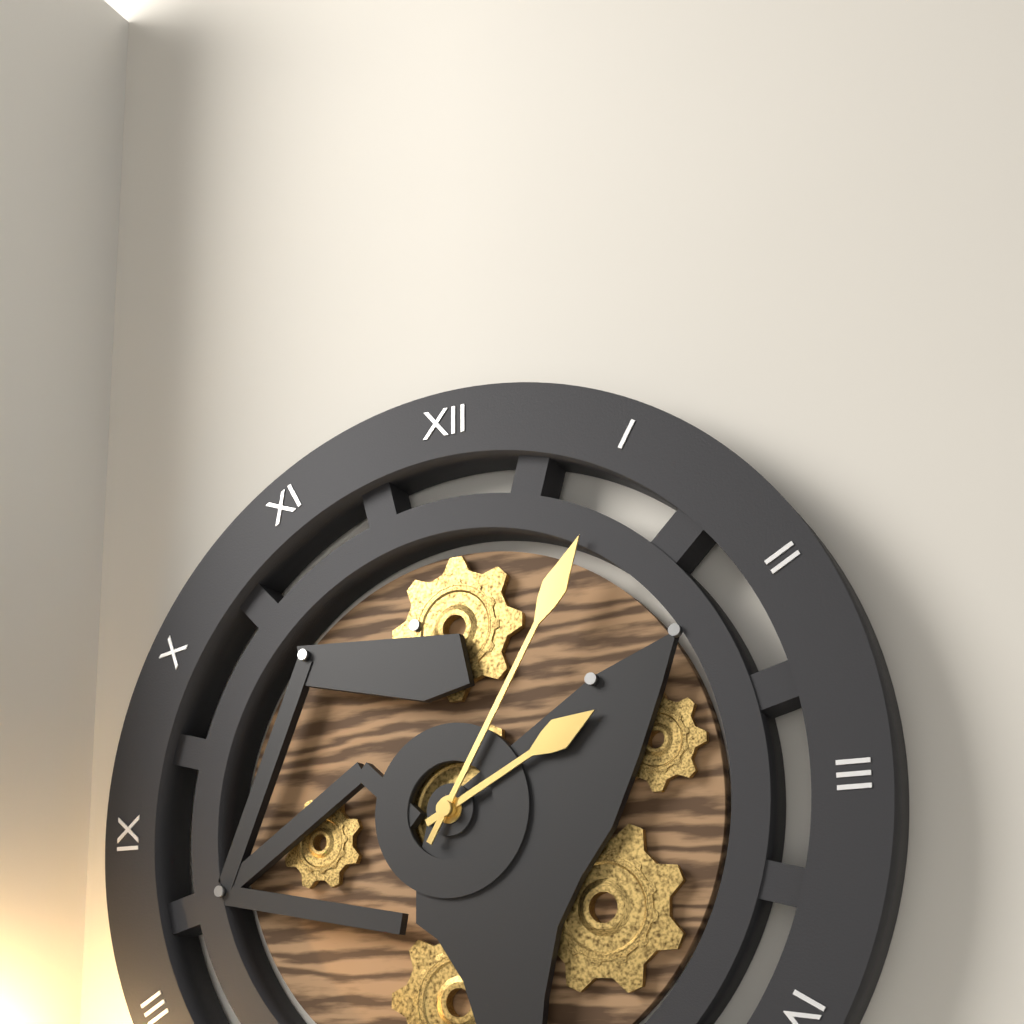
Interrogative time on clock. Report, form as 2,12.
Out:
2,05
